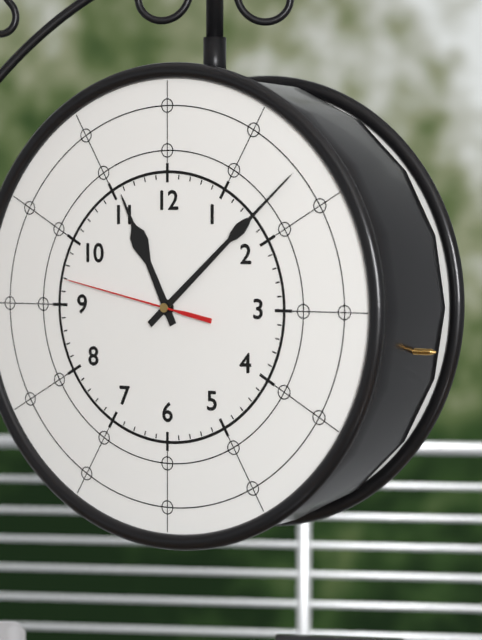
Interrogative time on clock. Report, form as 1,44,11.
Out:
11,08,47
